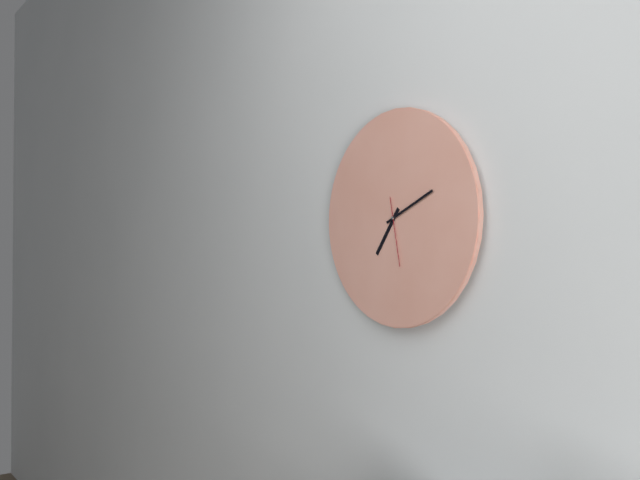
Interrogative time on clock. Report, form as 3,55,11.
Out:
7,11,28
